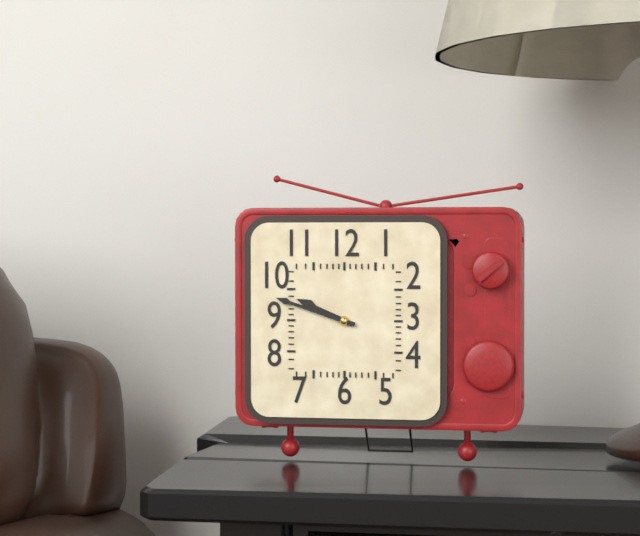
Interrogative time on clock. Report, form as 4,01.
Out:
9,48
